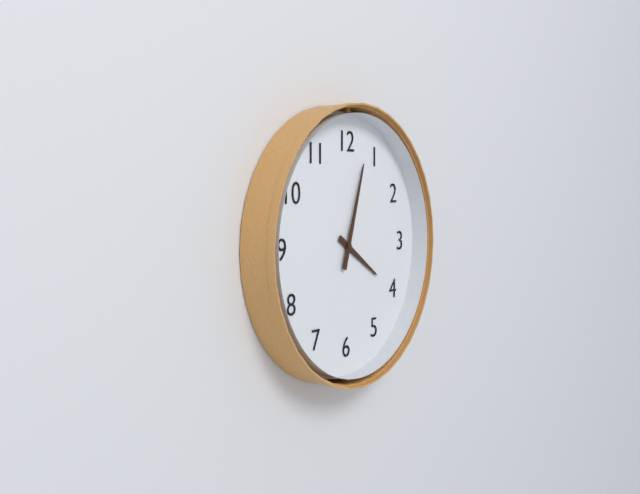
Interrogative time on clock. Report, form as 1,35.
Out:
4,03
